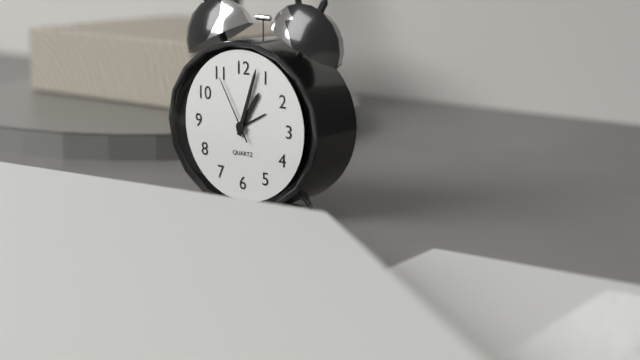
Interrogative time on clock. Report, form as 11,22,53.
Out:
1,03,55
